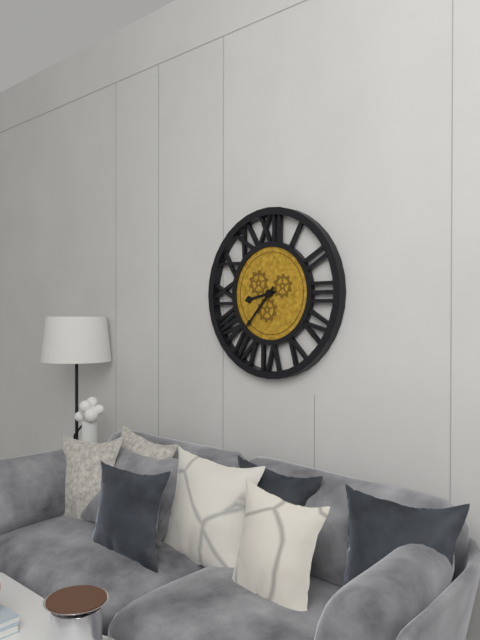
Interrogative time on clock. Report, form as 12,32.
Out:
8,37
